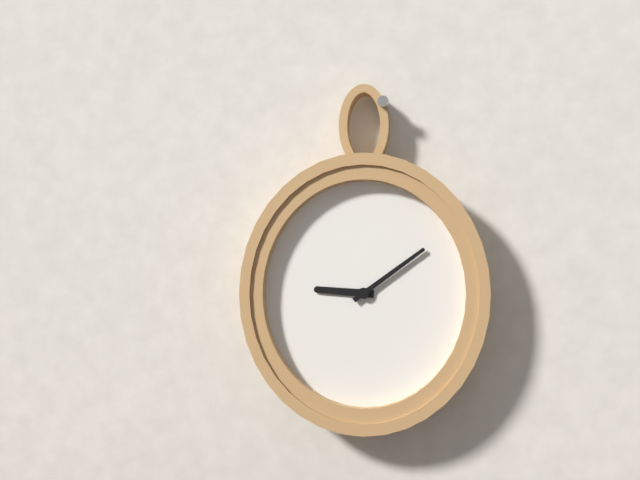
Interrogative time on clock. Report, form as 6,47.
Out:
9,09
